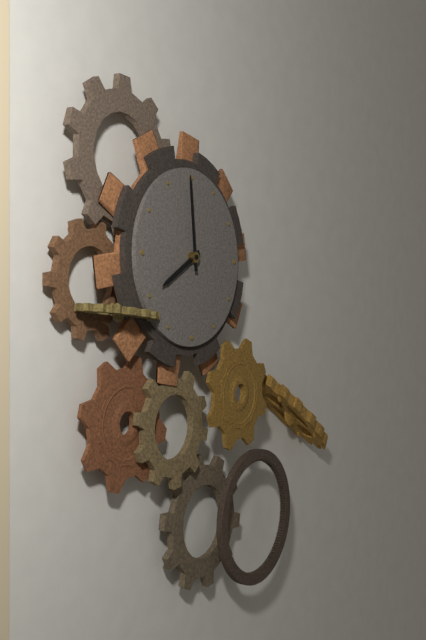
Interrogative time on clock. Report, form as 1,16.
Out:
7,59
